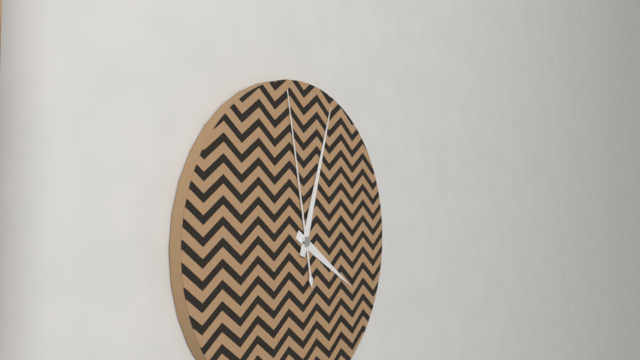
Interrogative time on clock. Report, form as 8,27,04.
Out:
4,03,58
